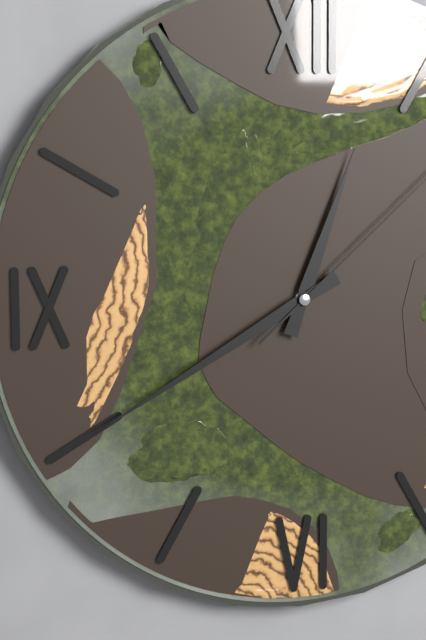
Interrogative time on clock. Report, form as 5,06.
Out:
12,40
